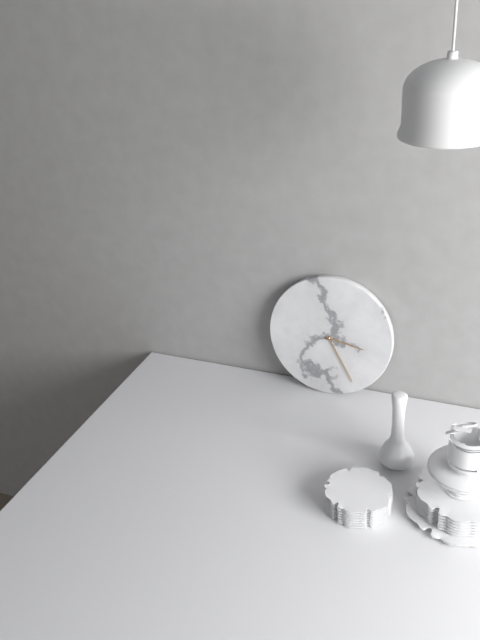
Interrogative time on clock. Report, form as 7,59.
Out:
3,25
